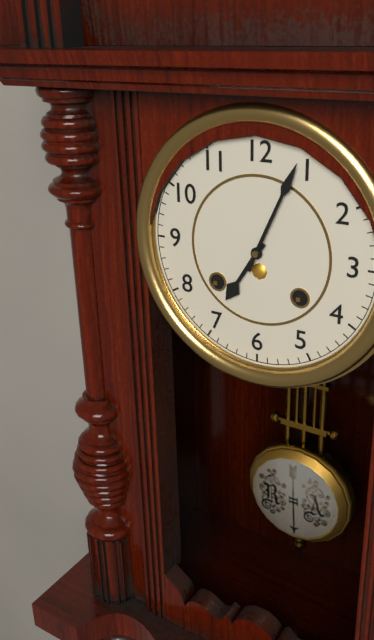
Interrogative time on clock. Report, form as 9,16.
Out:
7,04
